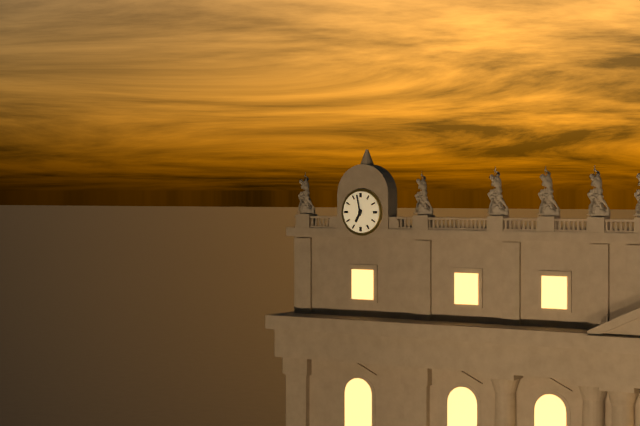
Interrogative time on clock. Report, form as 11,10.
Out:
6,58
